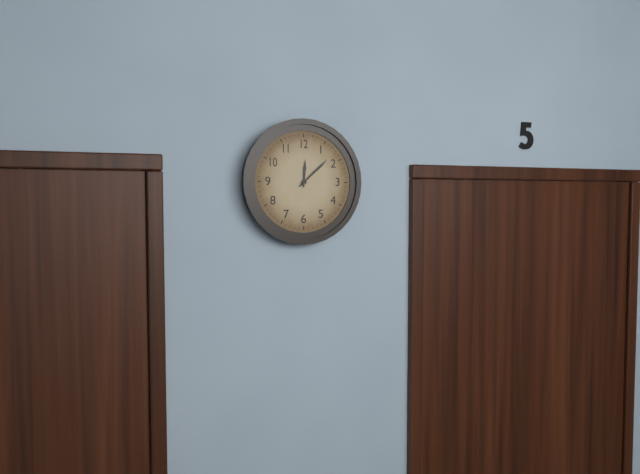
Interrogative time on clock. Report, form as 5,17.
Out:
12,08
